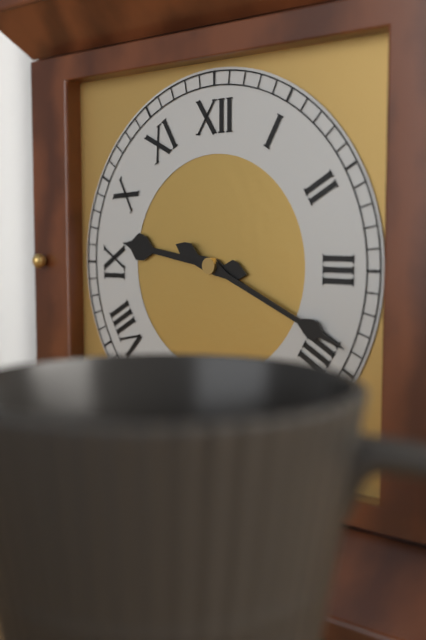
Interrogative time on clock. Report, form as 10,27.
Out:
9,19
